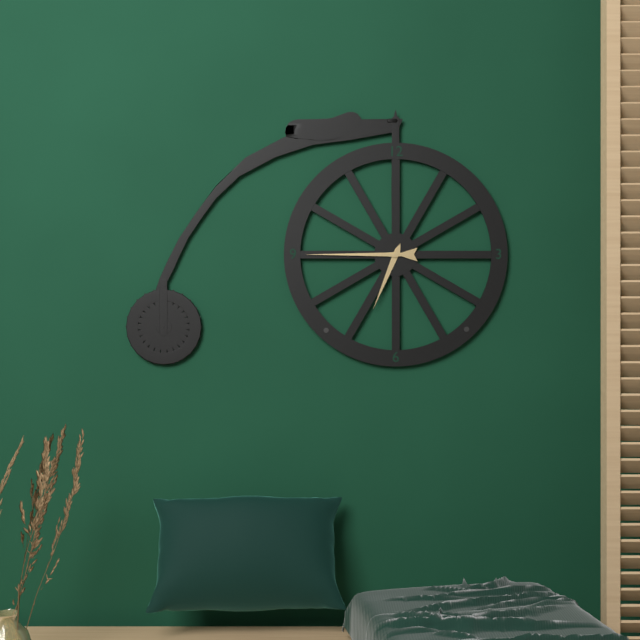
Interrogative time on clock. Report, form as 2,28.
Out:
6,45
